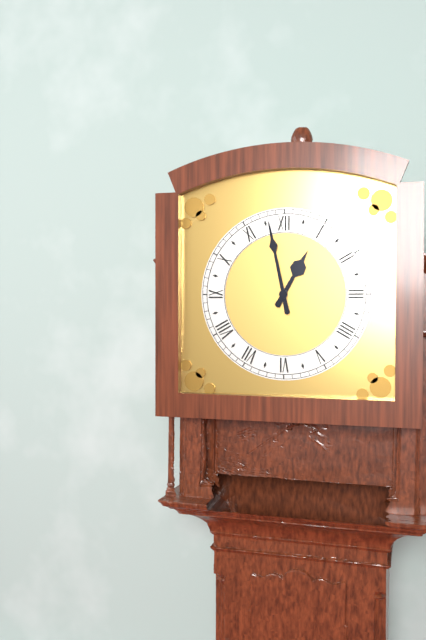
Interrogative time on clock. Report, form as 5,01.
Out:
12,58
